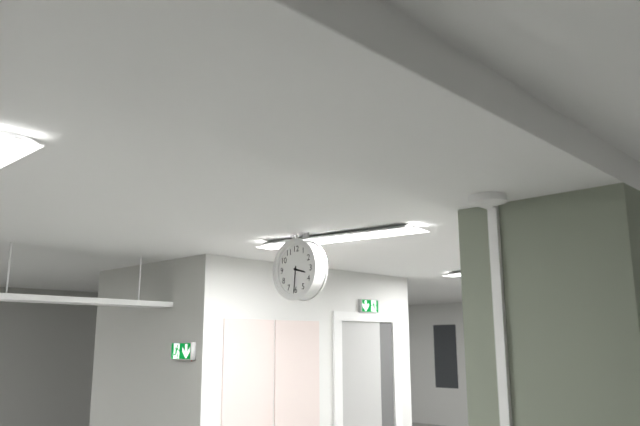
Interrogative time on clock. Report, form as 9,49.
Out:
3,31
